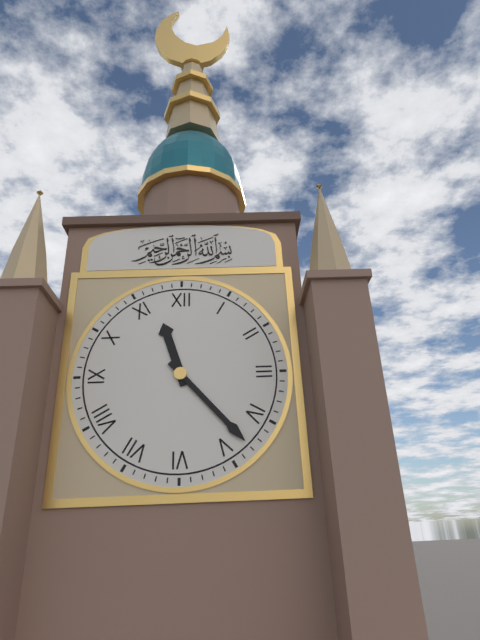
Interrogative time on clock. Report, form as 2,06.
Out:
11,23
